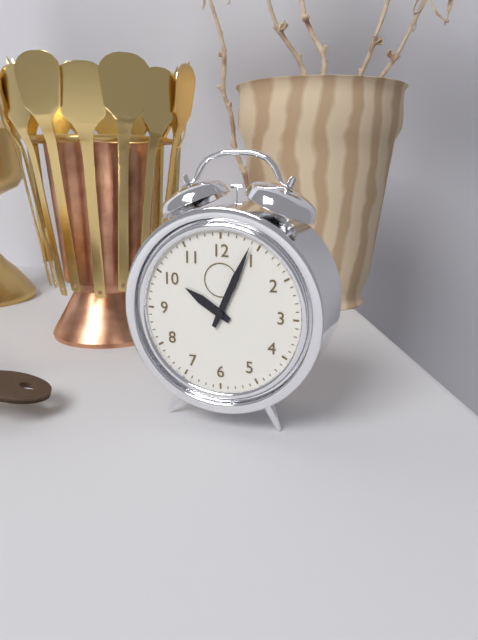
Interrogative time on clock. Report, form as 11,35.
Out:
10,04
